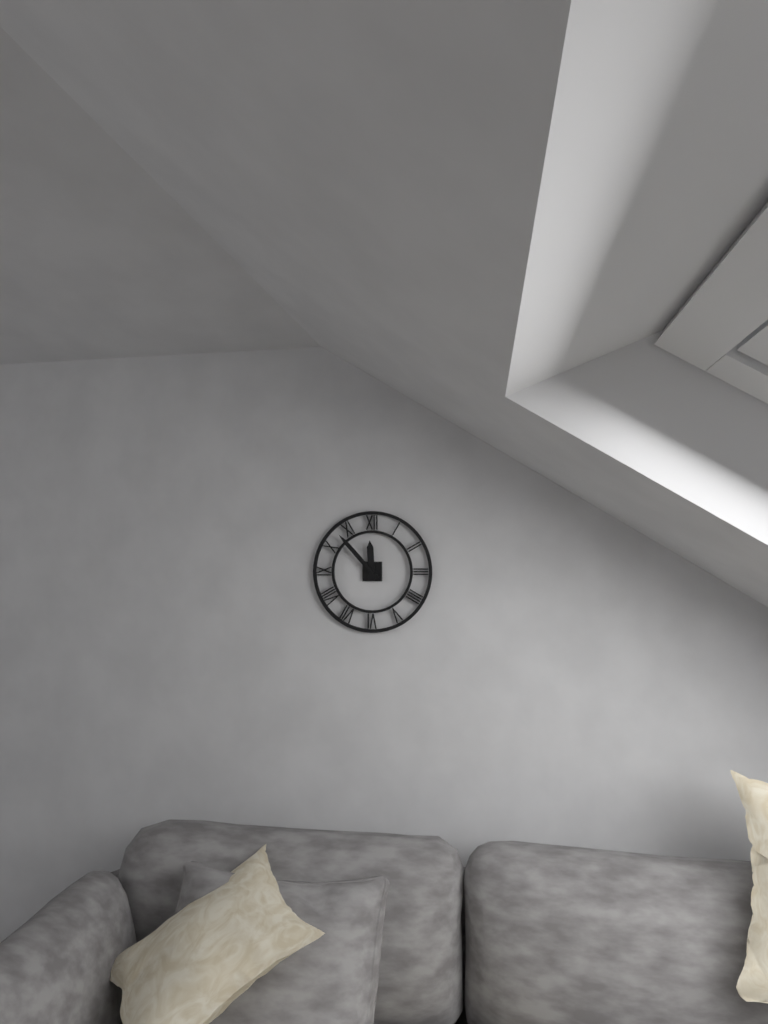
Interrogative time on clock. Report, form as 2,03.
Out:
11,53
